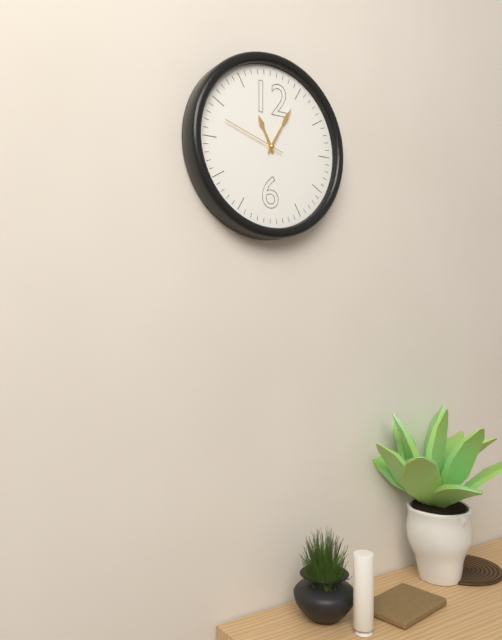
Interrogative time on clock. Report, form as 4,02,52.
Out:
11,05,48
